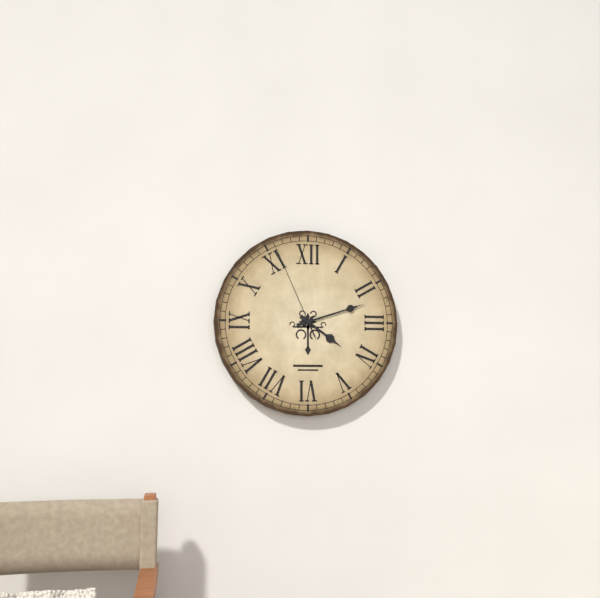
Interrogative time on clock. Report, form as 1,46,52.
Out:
4,12,56
